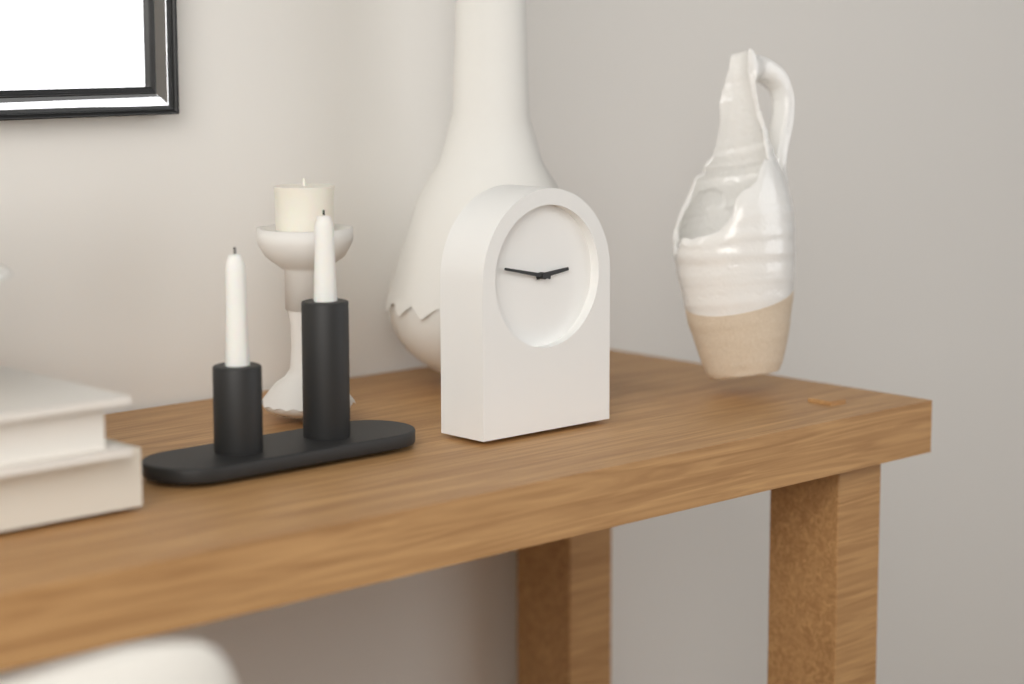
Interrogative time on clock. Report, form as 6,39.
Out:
2,47
